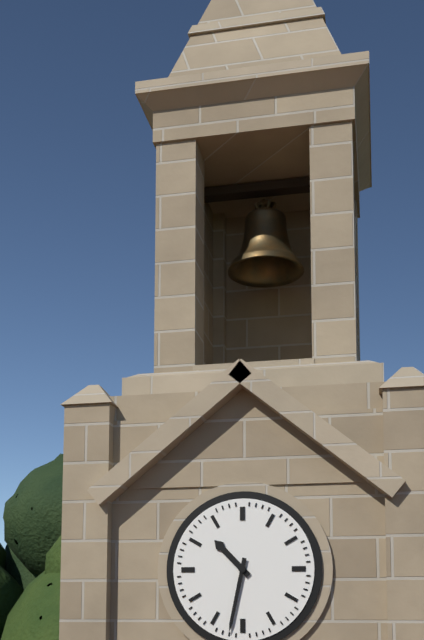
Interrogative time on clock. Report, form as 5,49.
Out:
10,32
